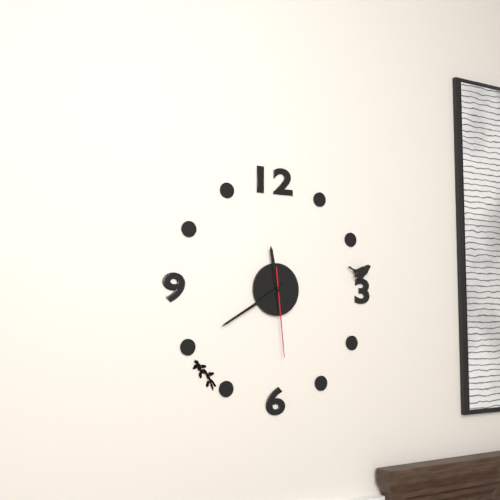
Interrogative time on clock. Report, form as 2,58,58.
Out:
11,40,29
